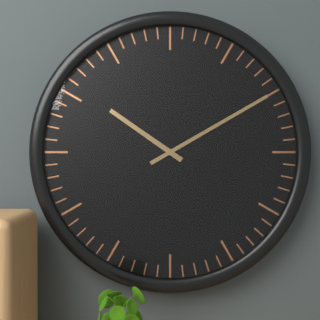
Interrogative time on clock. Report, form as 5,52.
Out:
10,10
